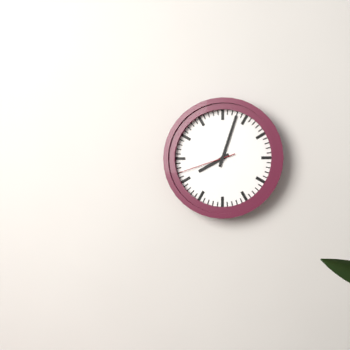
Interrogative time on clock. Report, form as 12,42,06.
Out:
8,03,42
